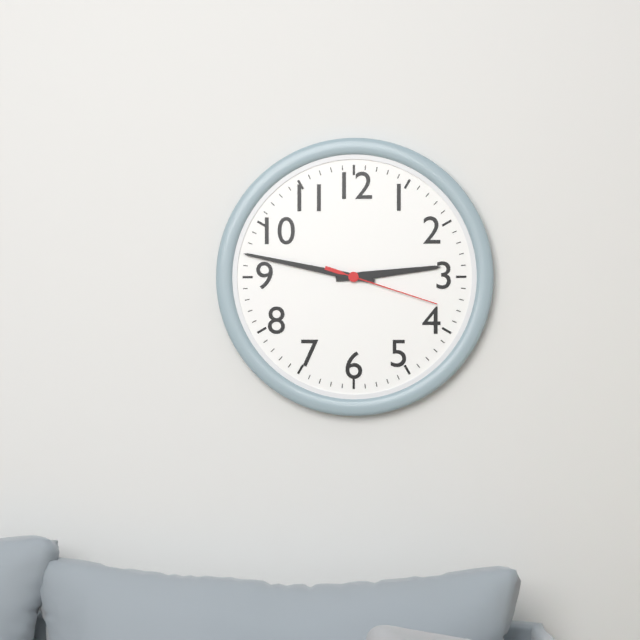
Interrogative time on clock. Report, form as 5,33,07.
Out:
2,47,18
